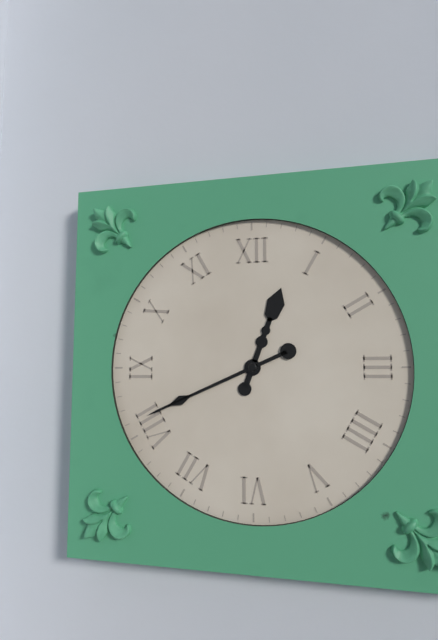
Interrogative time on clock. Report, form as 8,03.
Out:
12,41
